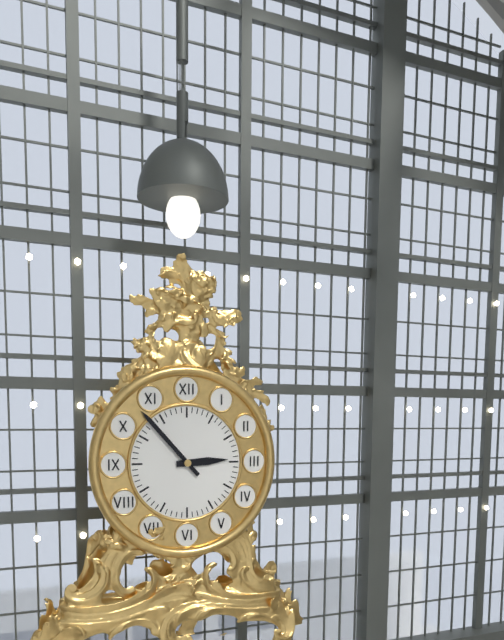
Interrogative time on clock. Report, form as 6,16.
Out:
2,53
